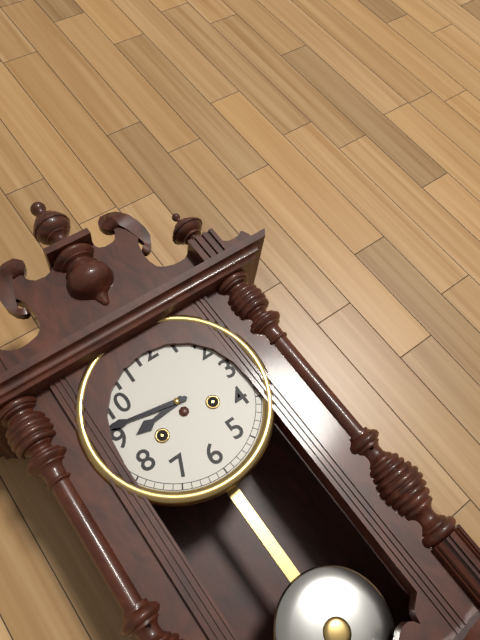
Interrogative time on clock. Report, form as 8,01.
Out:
8,47
